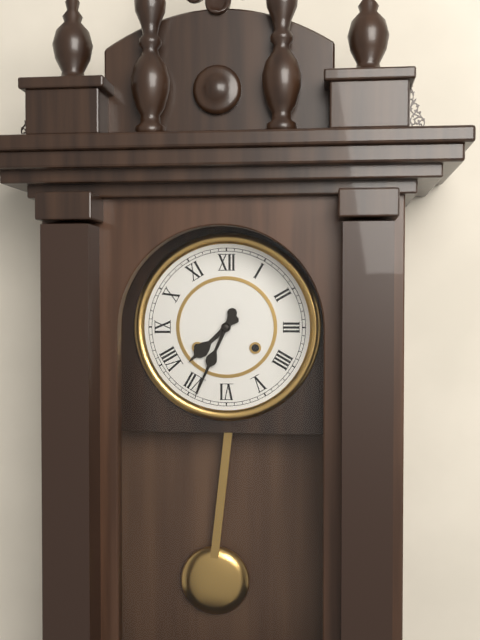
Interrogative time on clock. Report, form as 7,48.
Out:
7,34
